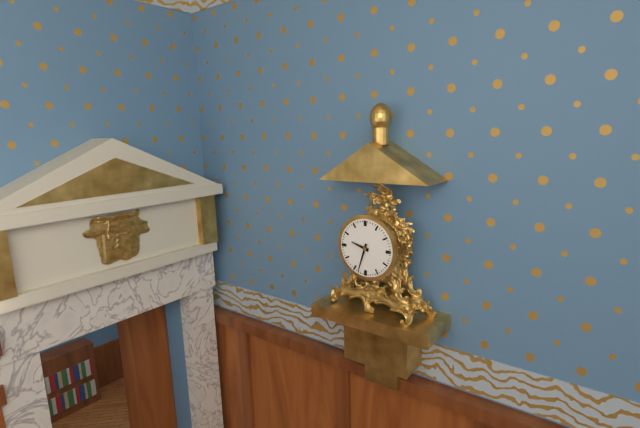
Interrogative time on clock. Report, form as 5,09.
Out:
9,33
